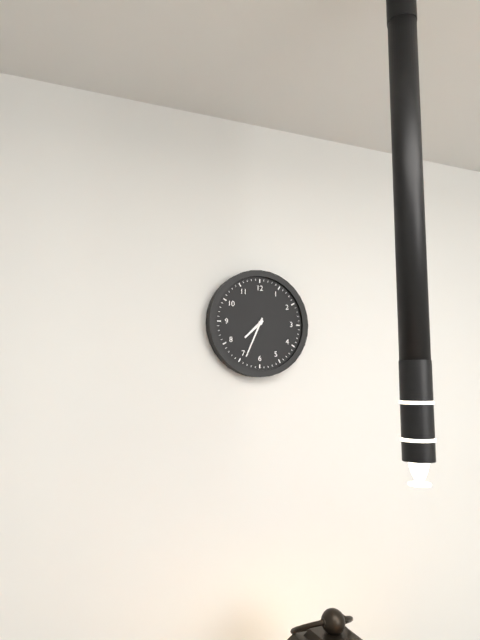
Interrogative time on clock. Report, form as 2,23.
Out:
7,34
